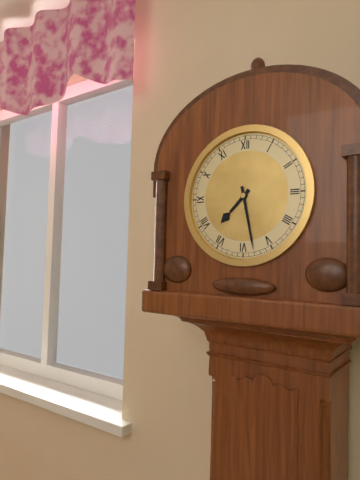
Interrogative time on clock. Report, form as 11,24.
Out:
7,28
